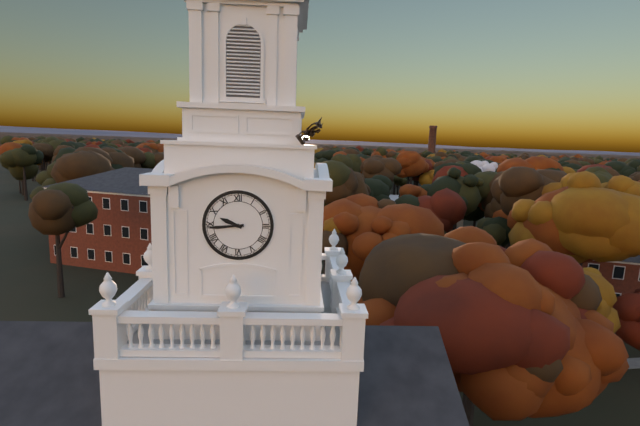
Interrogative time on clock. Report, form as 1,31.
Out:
9,44
